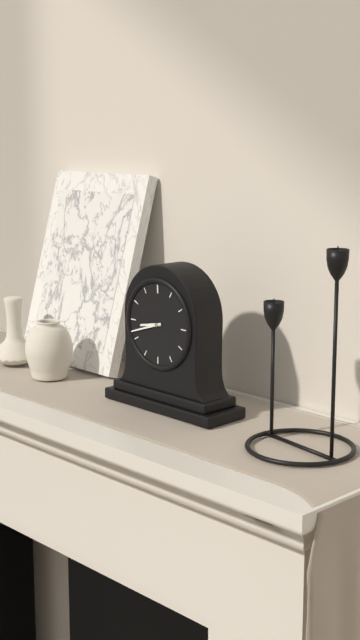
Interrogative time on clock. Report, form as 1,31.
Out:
8,42
